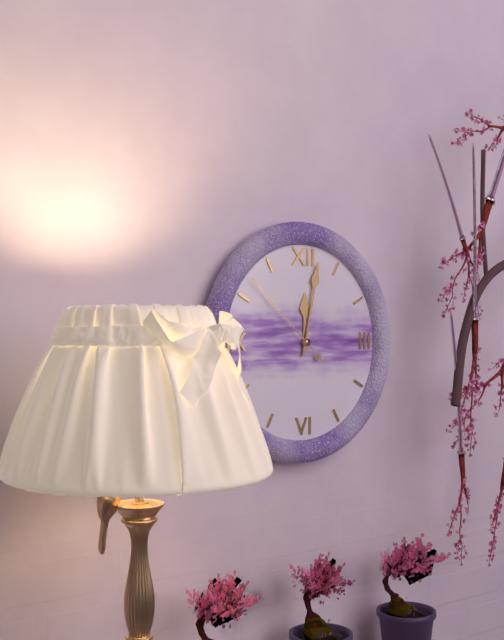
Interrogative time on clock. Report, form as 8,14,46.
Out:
12,02,52
